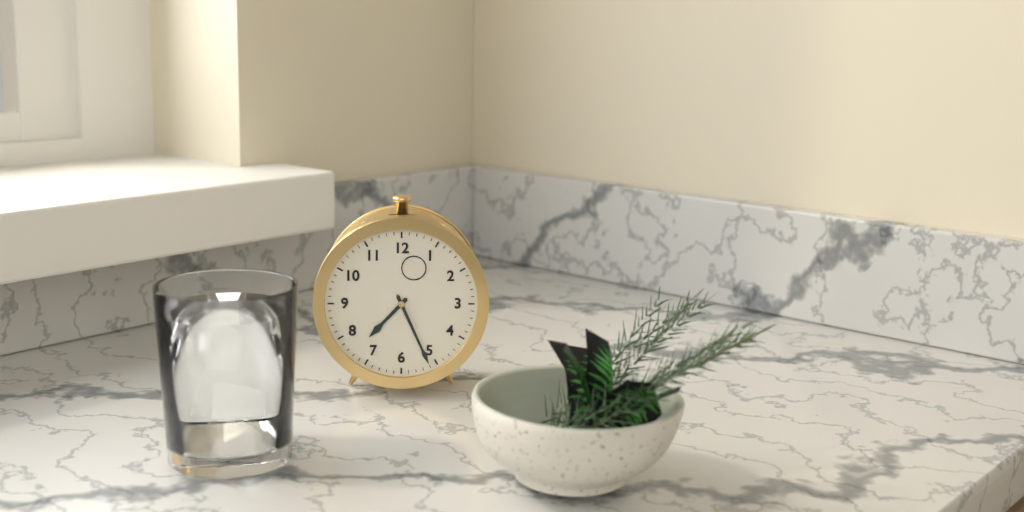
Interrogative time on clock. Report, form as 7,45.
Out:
7,26
